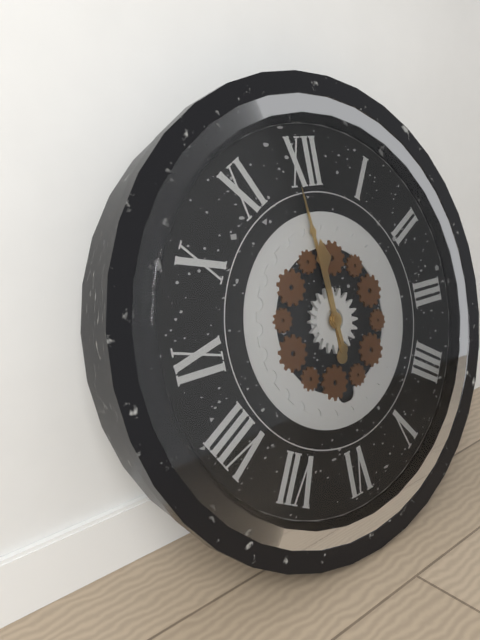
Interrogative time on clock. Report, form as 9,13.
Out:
11,59
